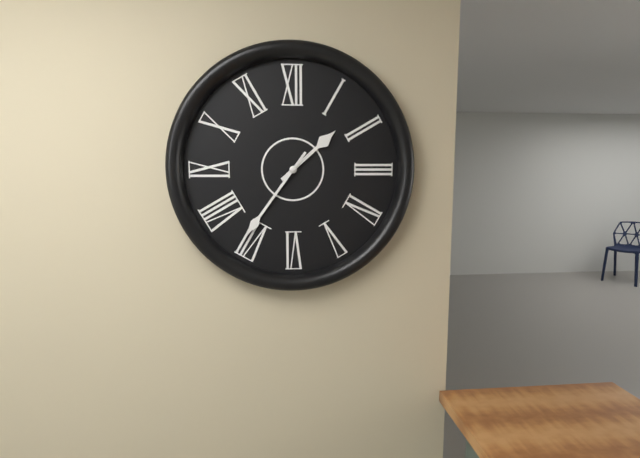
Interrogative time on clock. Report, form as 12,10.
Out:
1,36
